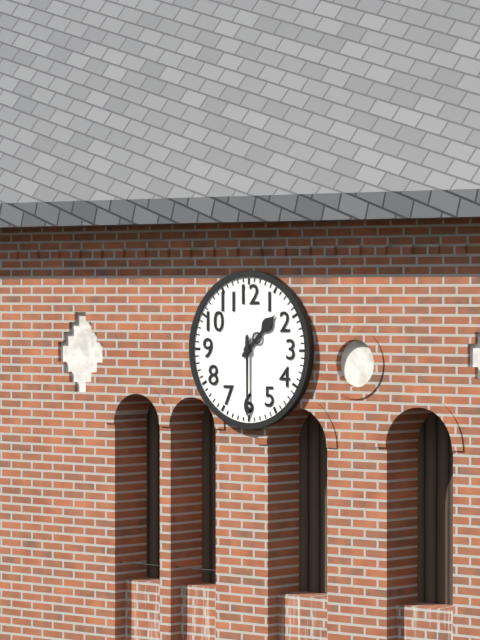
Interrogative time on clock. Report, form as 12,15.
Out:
1,30
